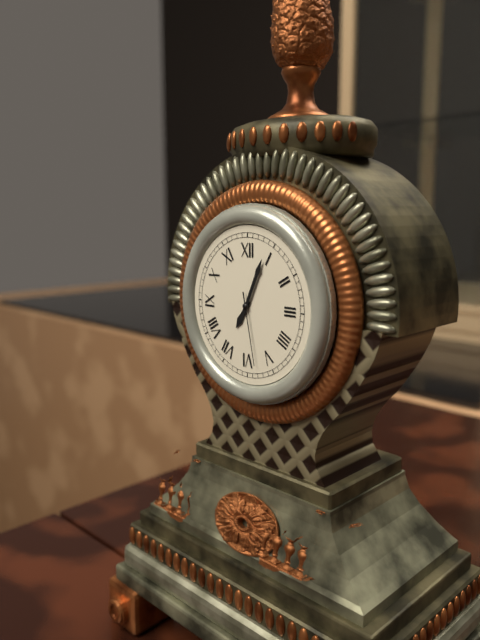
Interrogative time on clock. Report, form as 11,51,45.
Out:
7,04,28
